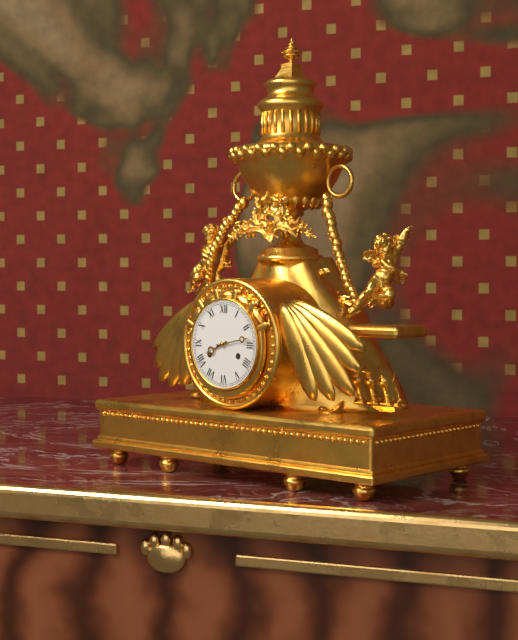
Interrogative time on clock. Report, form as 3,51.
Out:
8,13
